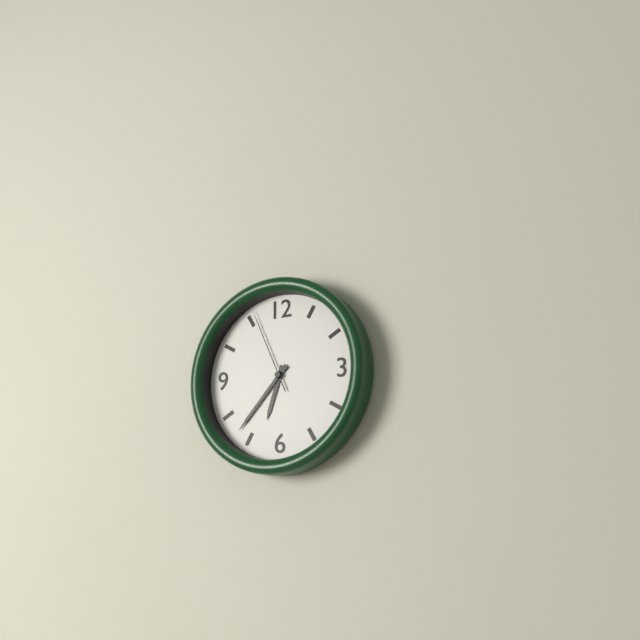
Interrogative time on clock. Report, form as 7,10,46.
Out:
6,37,56
